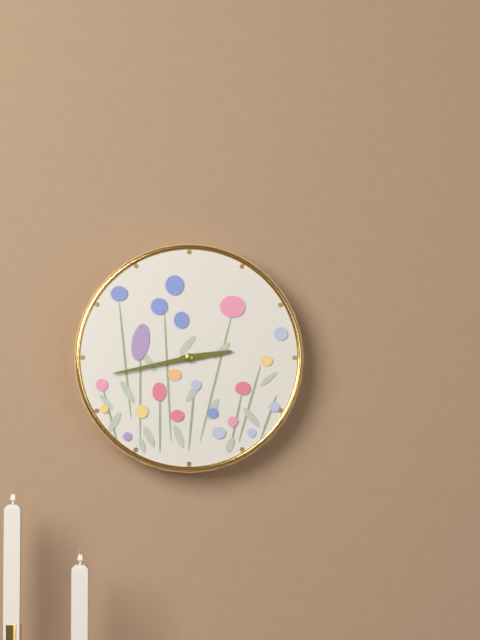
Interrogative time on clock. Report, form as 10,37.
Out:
2,43
